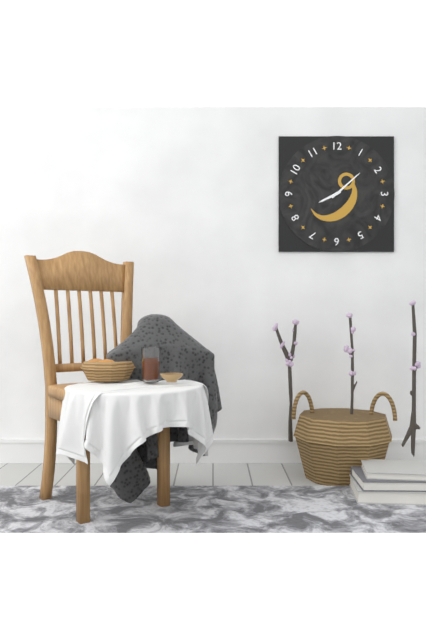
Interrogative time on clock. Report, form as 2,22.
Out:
8,08
